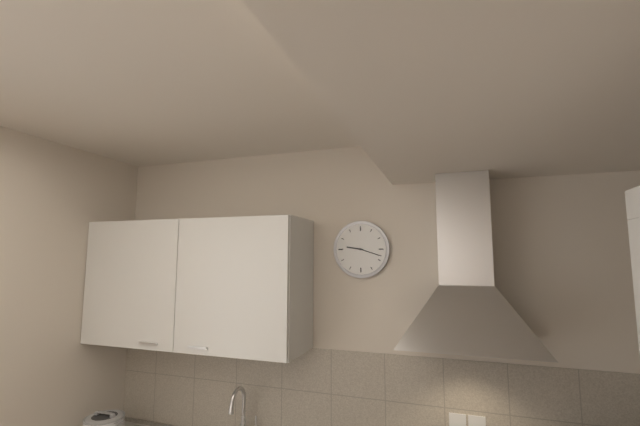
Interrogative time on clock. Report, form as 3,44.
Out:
9,18
